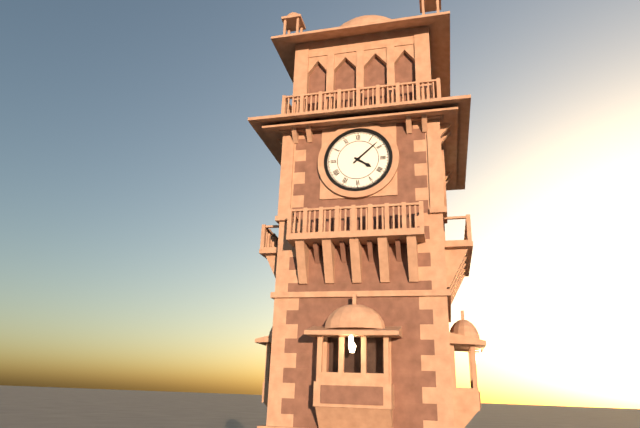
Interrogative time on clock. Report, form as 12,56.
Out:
4,08
